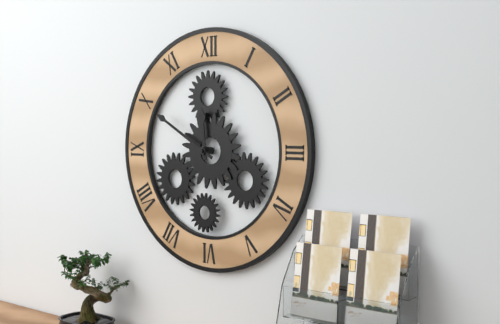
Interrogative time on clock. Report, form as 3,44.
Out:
11,50
